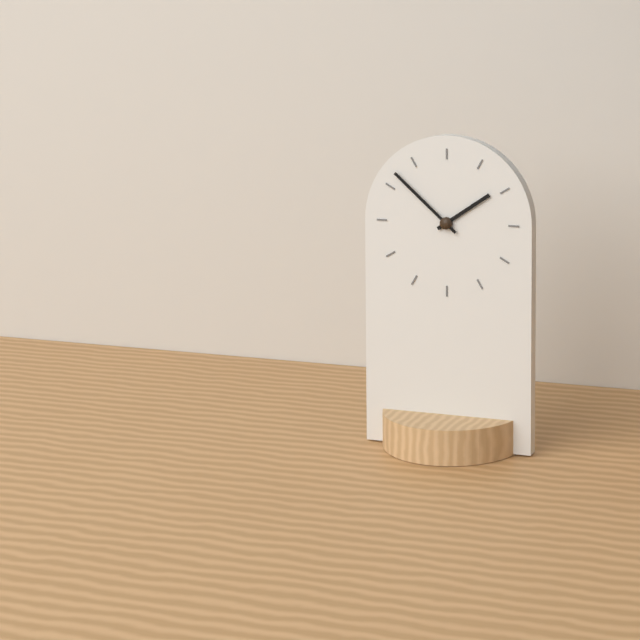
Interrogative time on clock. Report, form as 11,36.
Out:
1,52
